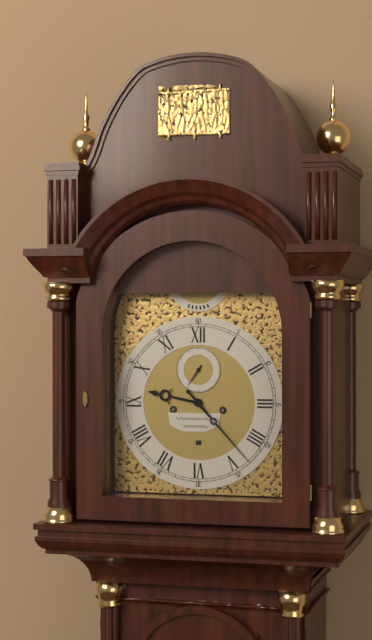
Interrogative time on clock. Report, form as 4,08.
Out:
9,23
